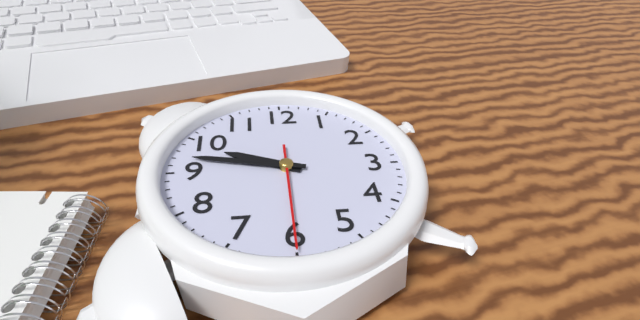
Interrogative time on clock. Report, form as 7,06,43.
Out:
9,47,30
